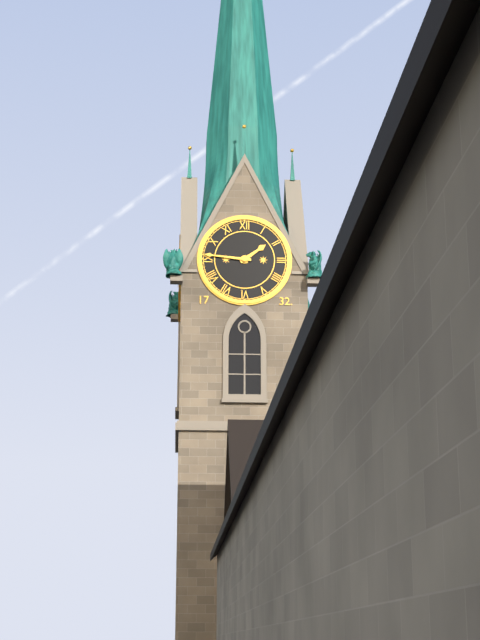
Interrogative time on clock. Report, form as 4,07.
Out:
1,46
